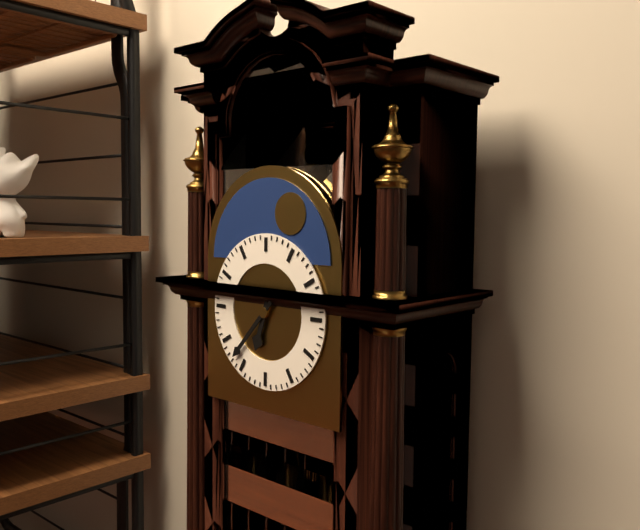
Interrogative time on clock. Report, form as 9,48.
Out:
6,37
